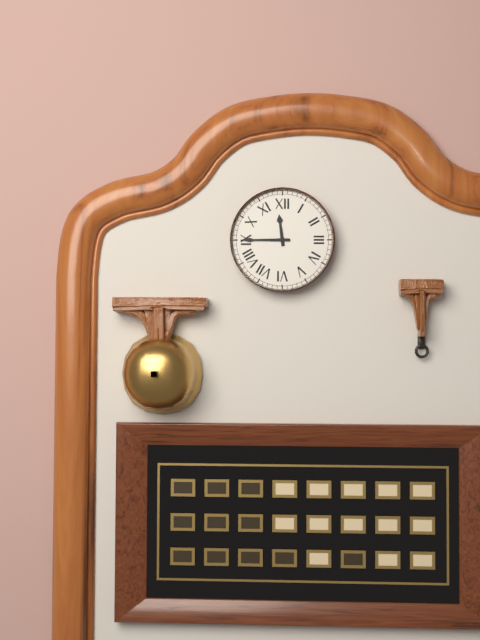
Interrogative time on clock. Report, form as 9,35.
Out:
11,45
